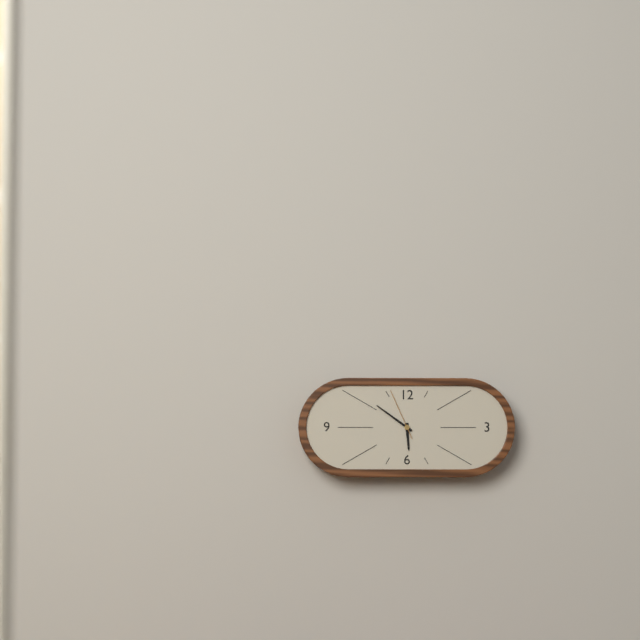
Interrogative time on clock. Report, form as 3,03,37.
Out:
5,51,56
